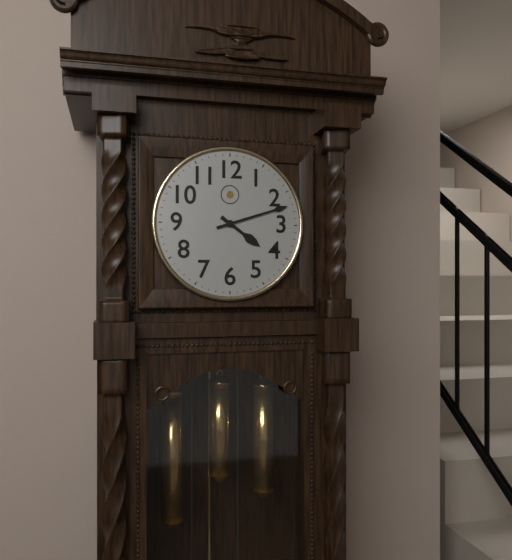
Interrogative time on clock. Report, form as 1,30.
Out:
4,12
